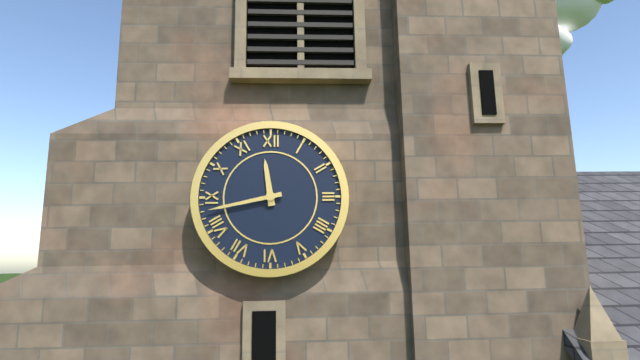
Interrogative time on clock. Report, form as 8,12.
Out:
11,43
